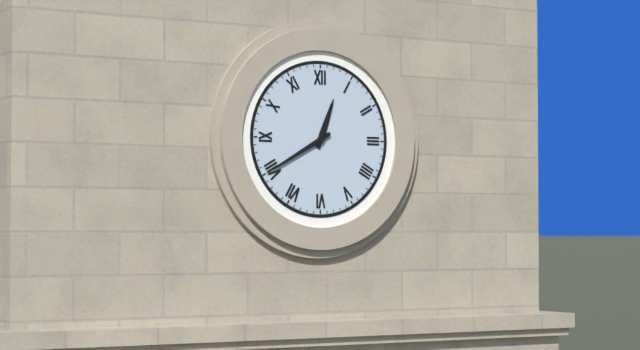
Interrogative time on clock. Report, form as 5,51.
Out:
12,40
